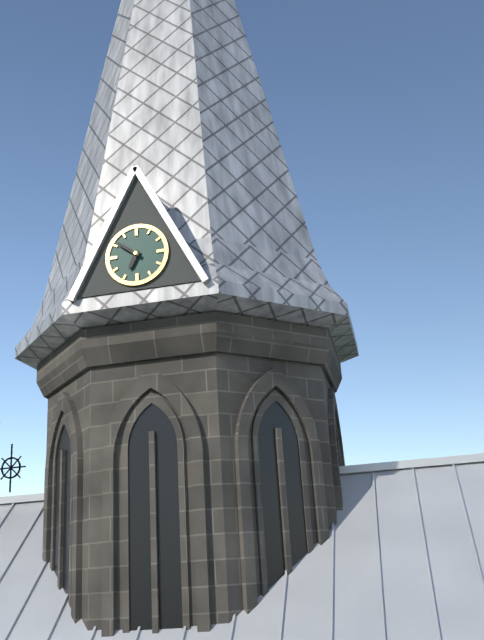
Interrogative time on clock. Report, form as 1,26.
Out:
6,51
